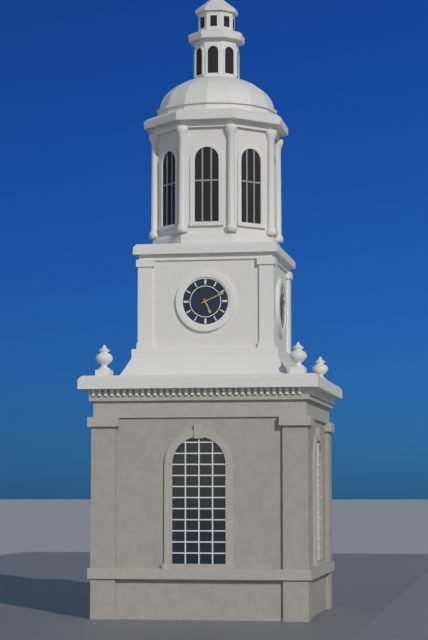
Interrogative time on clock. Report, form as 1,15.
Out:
5,11
